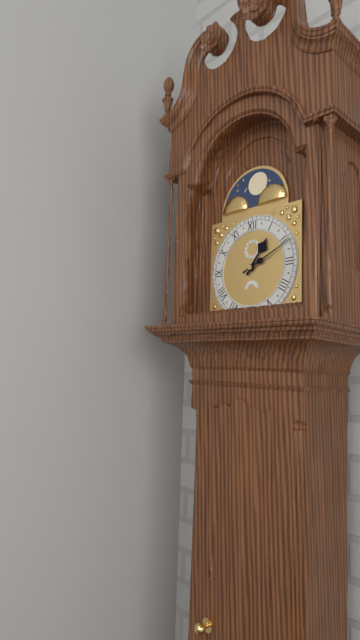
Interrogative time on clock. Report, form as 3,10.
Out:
1,11
